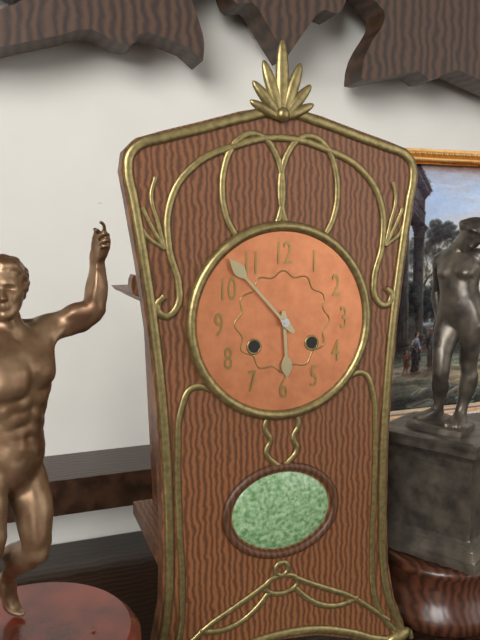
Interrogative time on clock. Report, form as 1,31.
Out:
5,53
